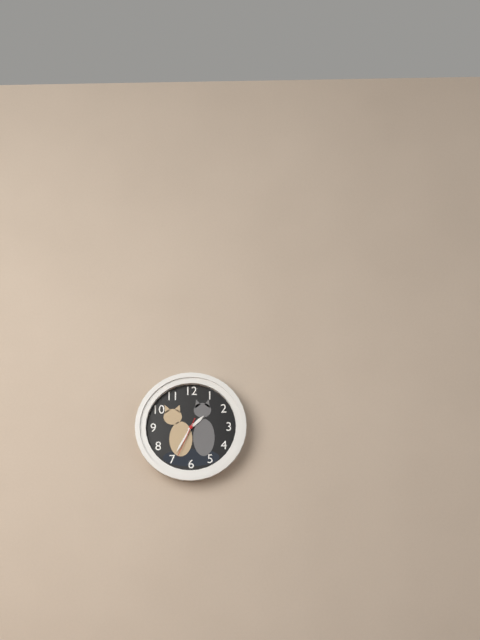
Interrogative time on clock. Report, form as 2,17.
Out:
1,35
